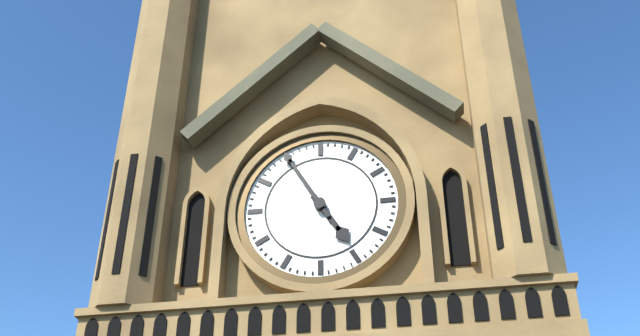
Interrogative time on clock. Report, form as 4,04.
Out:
4,55
